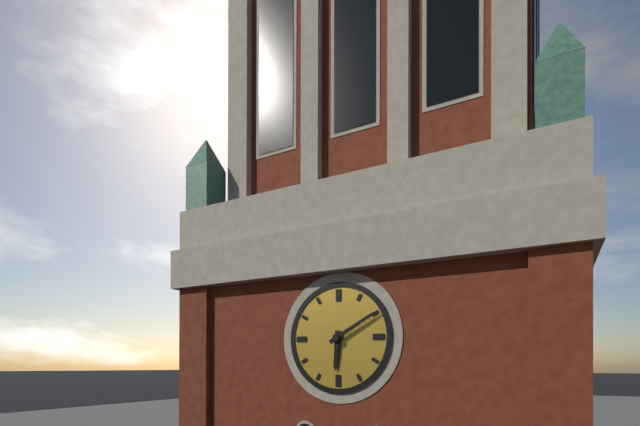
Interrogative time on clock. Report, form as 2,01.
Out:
6,10
